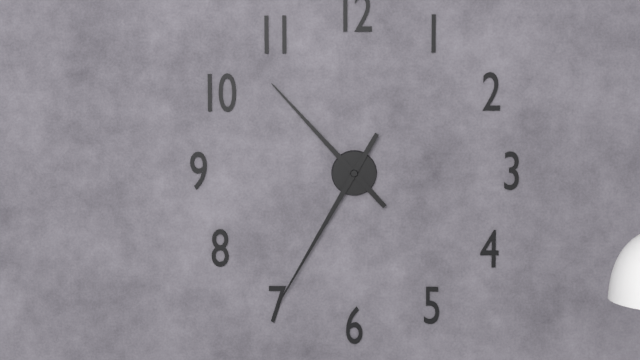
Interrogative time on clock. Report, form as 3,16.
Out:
10,35
